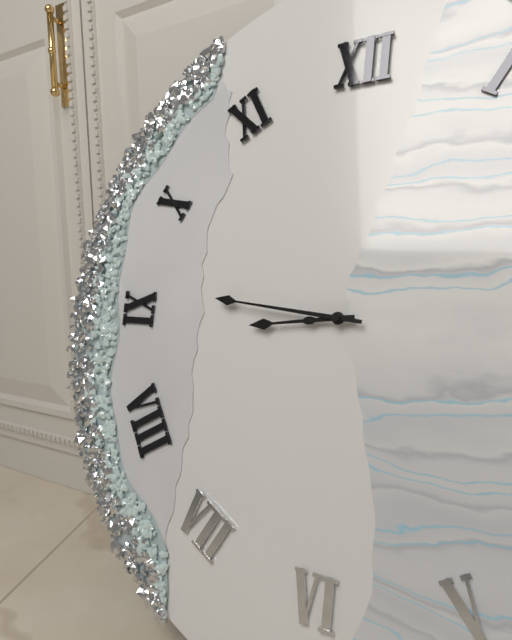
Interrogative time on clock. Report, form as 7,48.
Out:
8,46
